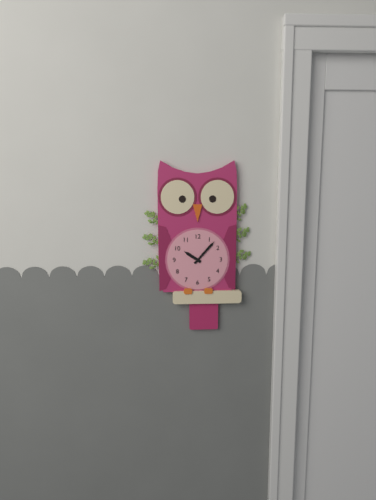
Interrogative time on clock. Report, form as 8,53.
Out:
10,07
